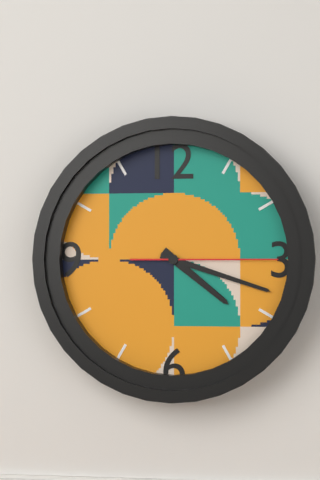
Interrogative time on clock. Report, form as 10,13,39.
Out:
4,18,15
